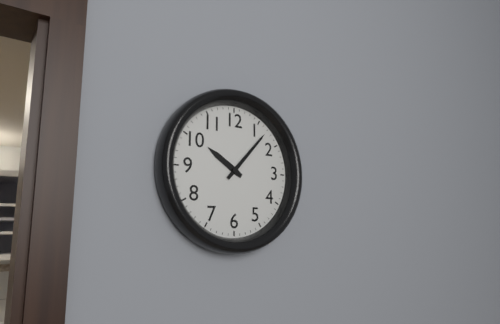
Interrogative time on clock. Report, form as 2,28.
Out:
10,07
